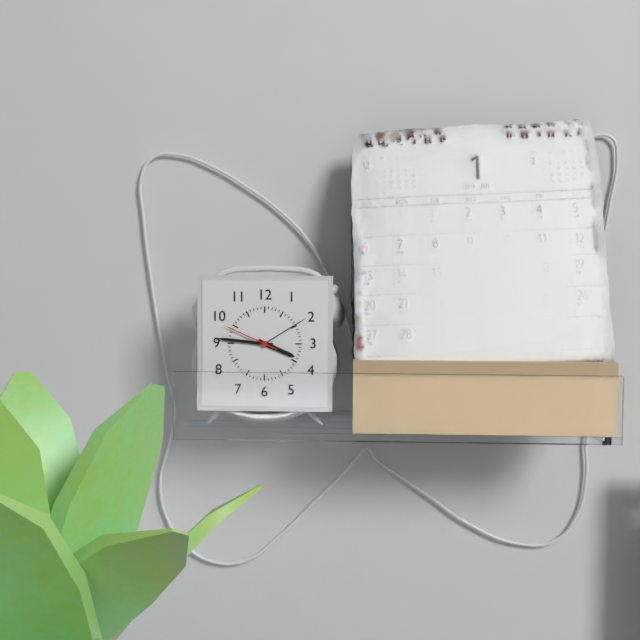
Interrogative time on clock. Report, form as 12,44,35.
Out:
3,46,49
